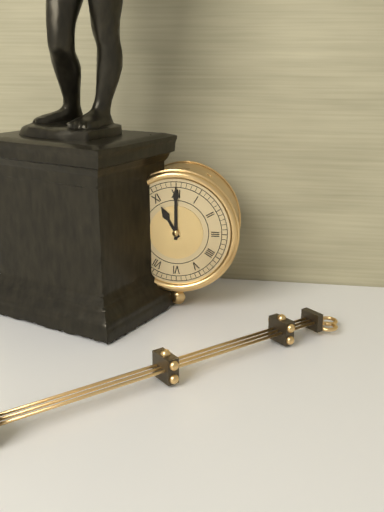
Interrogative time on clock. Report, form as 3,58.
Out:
11,00
